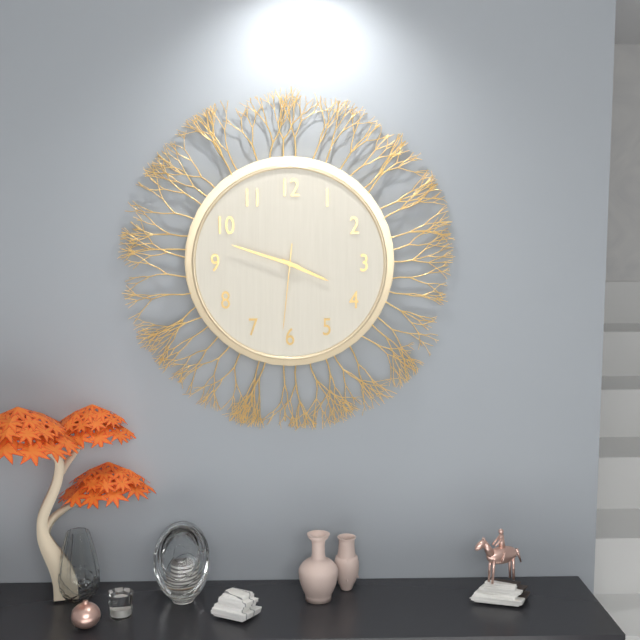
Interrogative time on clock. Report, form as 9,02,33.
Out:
3,48,31
